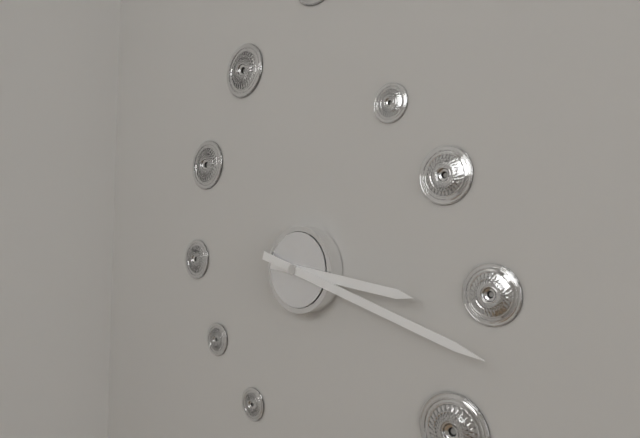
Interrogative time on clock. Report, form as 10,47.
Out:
3,18
